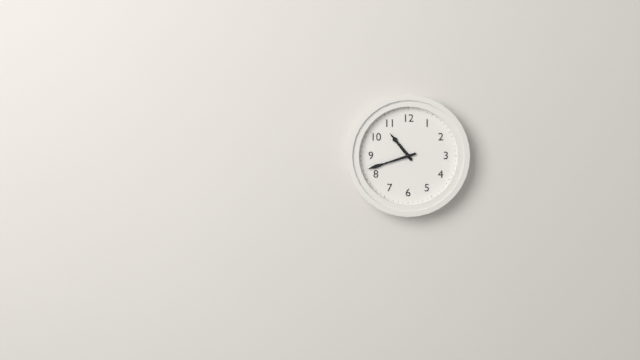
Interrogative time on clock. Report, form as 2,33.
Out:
10,42
